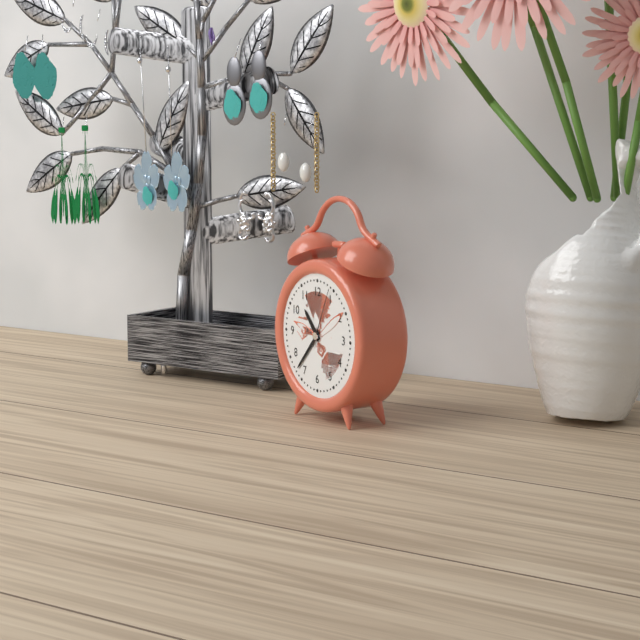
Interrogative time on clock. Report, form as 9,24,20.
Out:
10,37,04
